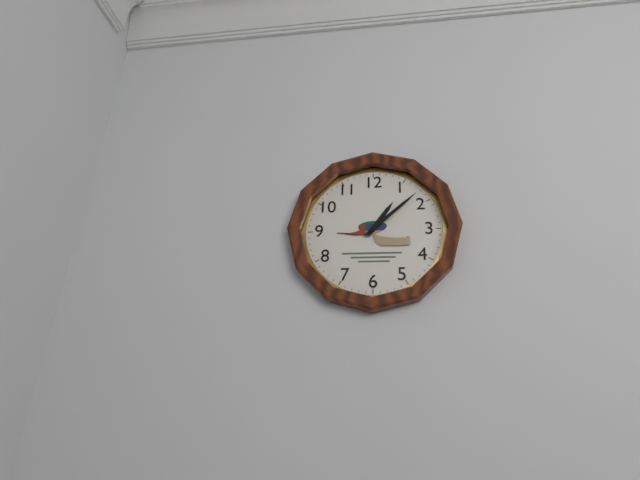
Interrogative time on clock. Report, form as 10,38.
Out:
1,08
